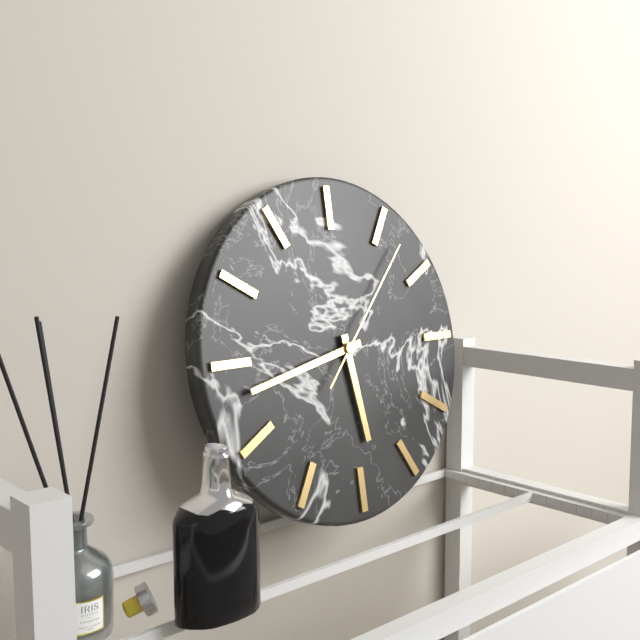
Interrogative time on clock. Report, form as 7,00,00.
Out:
5,43,07
